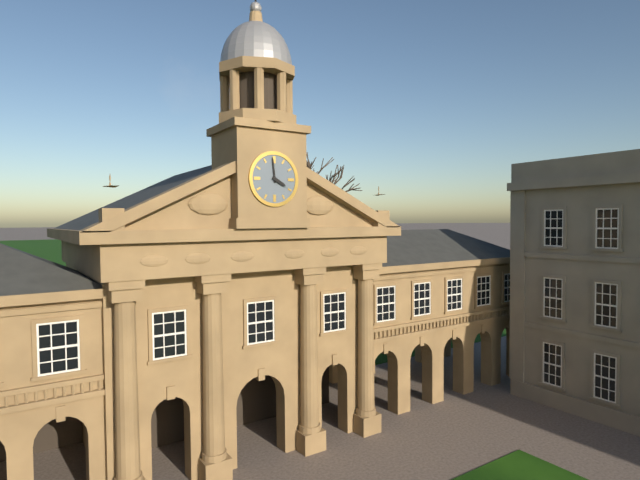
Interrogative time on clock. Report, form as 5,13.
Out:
3,59
